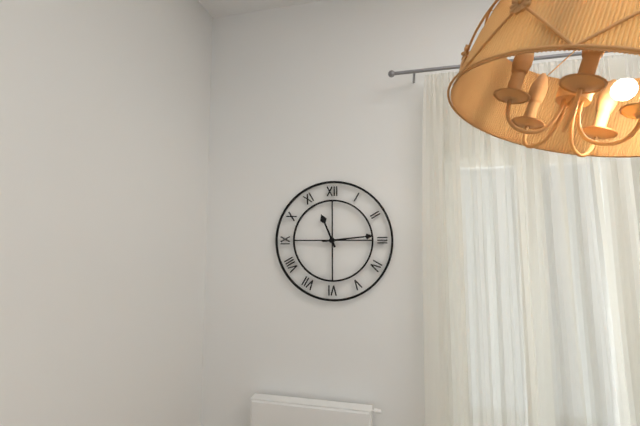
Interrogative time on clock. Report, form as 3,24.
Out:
11,14
